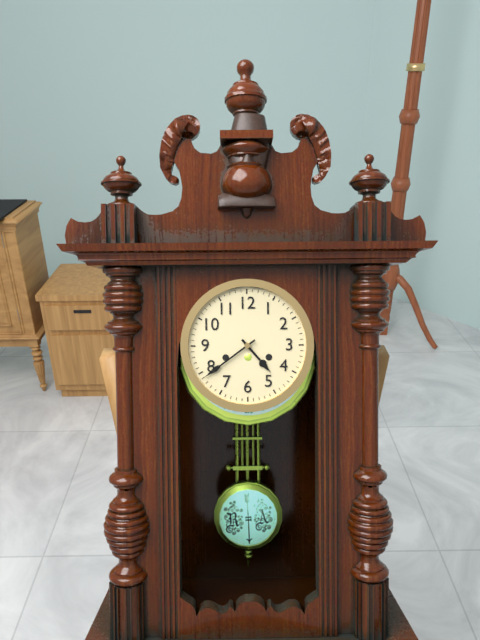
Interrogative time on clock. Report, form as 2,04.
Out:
4,39
